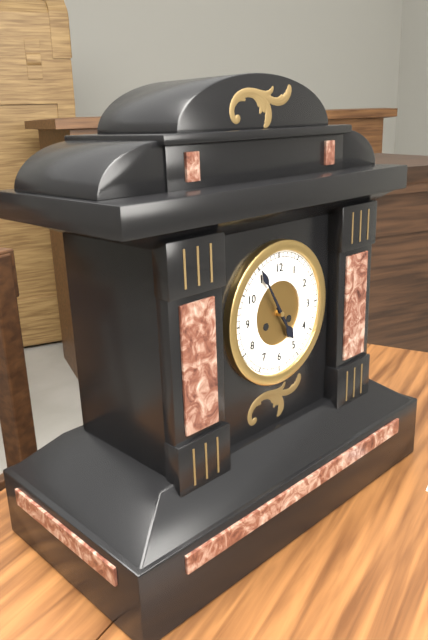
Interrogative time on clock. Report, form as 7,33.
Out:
4,55
